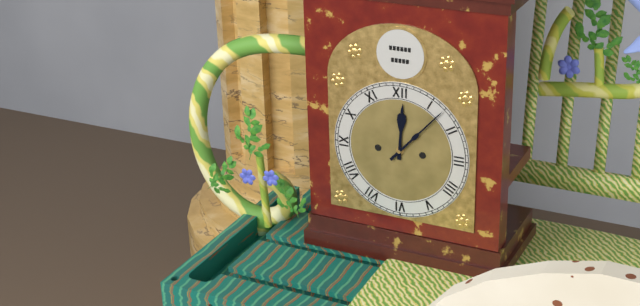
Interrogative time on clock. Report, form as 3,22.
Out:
12,07
